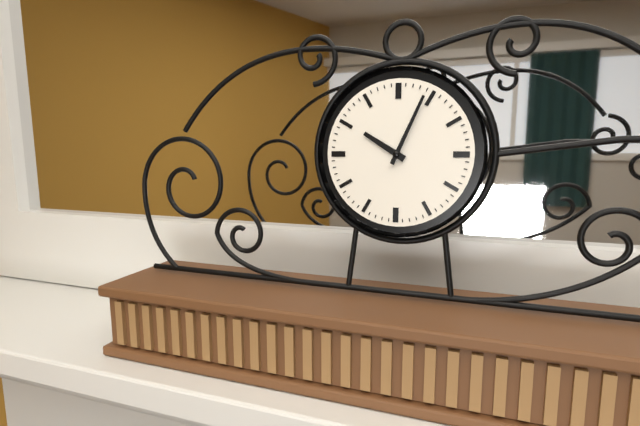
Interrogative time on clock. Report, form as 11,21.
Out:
10,04
